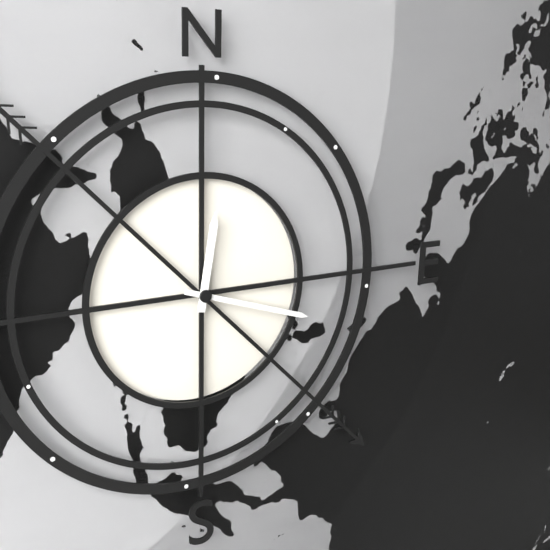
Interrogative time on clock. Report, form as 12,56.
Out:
12,18
